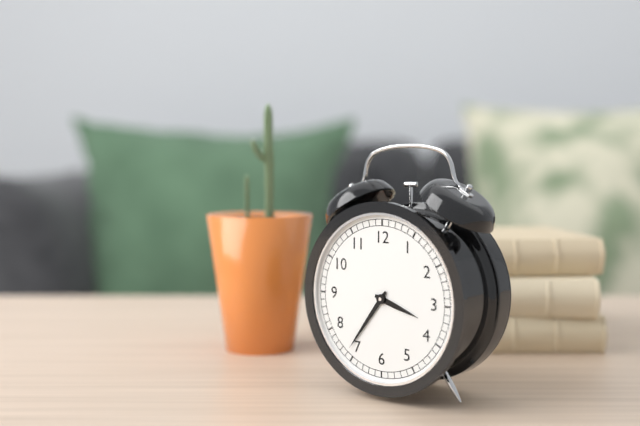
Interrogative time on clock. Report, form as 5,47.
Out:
3,36
